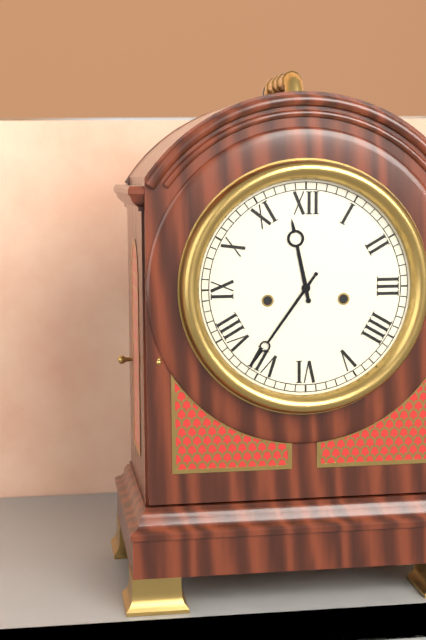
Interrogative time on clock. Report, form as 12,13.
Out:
11,36
